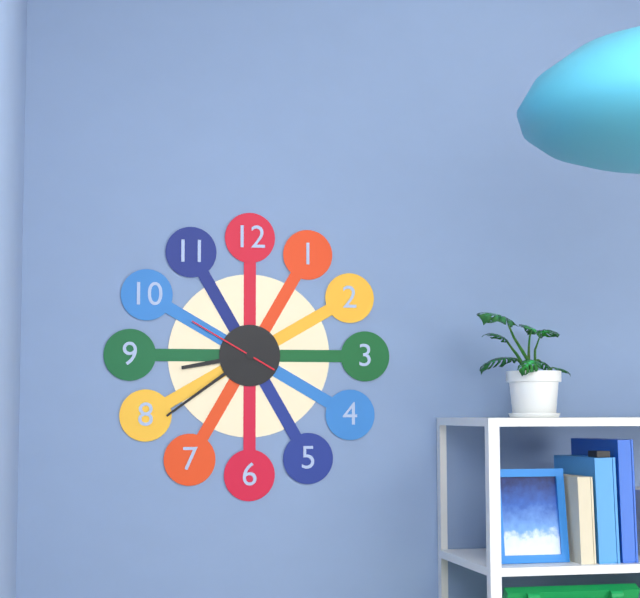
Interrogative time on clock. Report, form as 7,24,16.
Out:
8,39,50
